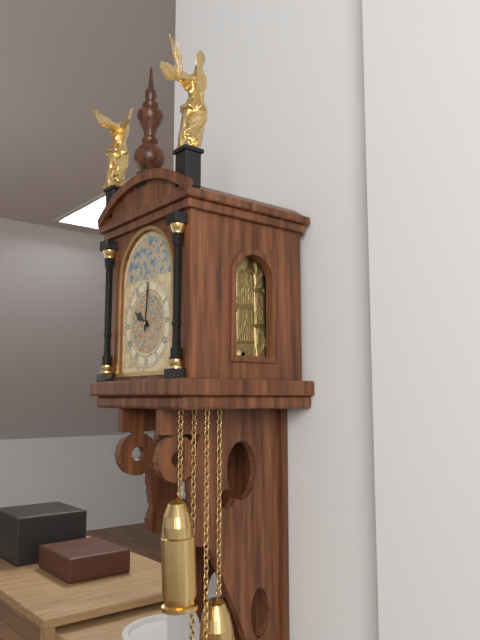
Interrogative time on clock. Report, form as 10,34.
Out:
10,01
